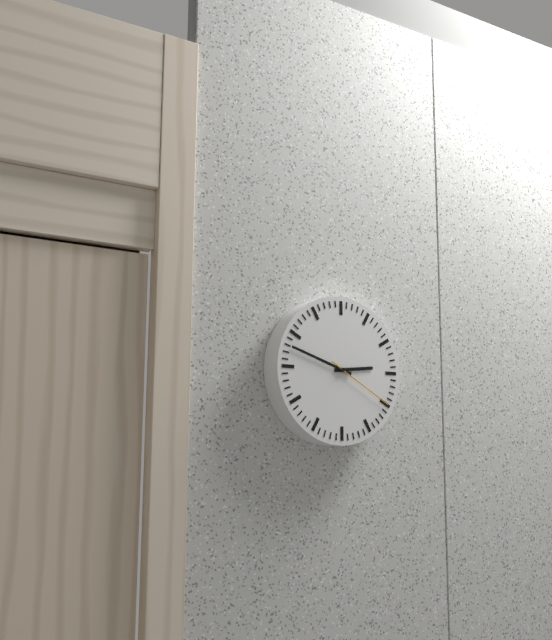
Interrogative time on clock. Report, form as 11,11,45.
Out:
2,48,20
